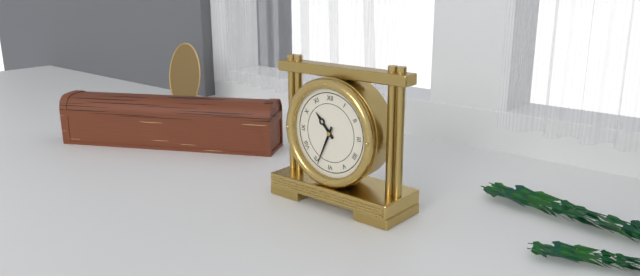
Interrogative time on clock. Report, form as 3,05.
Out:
10,34
